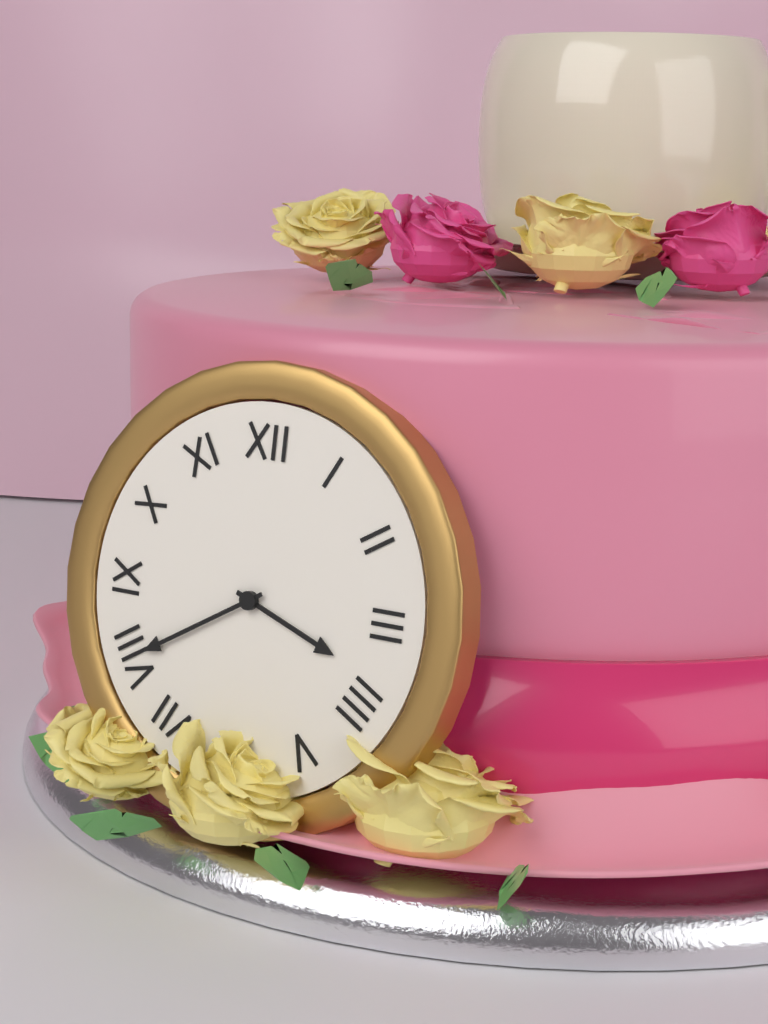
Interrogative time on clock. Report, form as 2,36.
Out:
3,40
